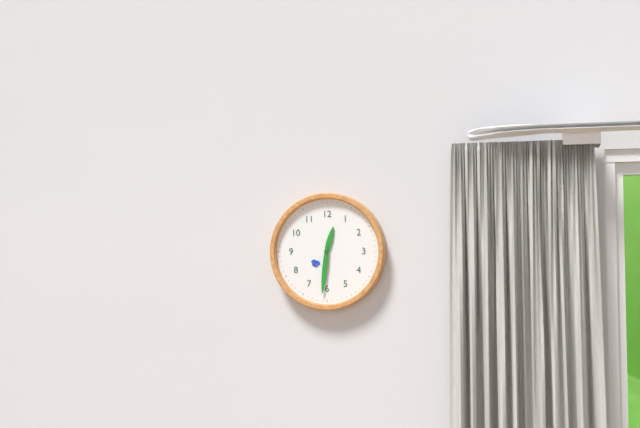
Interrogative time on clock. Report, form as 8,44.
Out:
12,31
